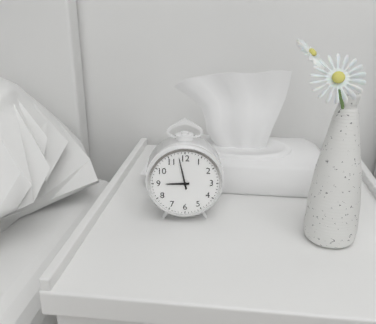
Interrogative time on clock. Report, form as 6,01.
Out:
8,58
